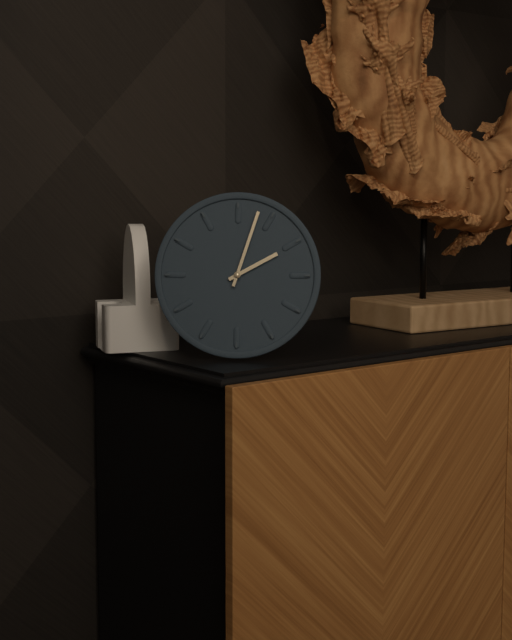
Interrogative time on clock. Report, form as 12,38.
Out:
2,03
